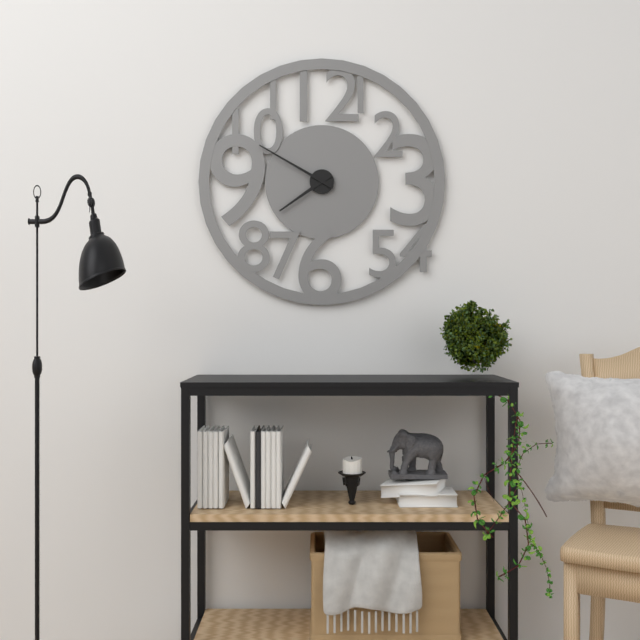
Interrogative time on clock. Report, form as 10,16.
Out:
7,50
